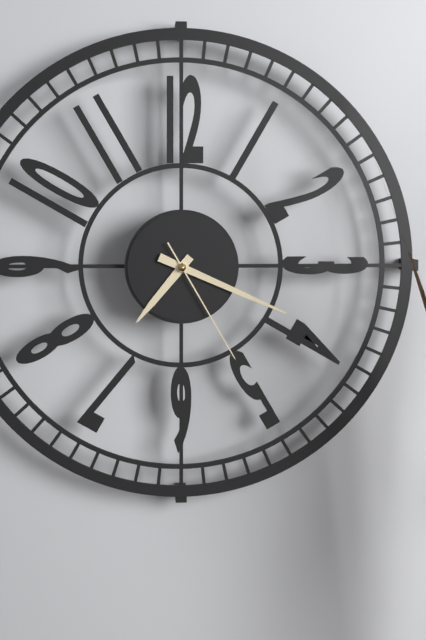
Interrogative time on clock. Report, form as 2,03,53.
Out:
7,19,25
